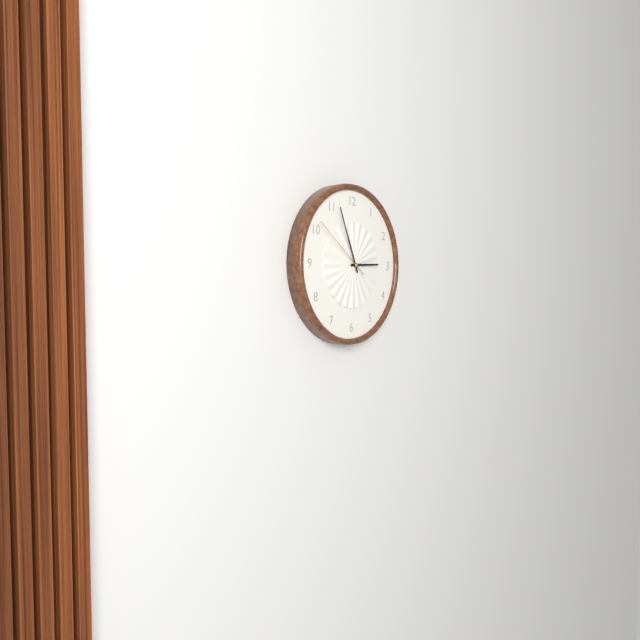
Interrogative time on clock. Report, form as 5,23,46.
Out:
2,56,51
